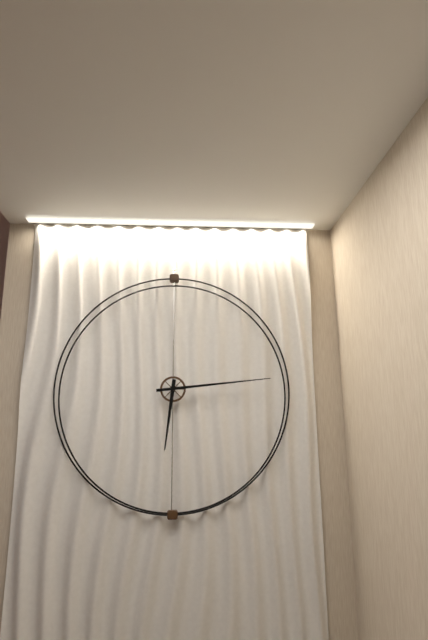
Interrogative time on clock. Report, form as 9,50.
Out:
6,14
